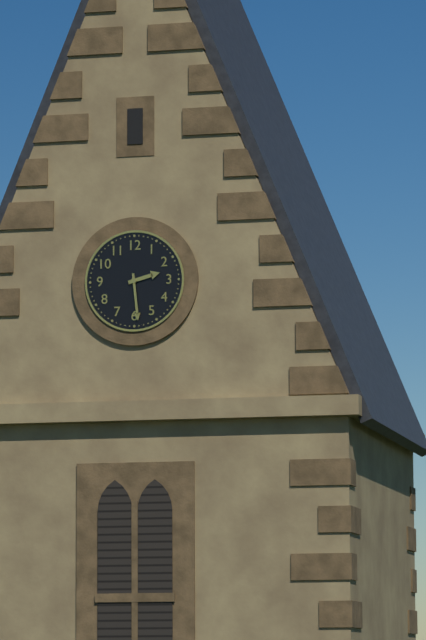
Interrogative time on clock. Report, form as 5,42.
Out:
2,29
